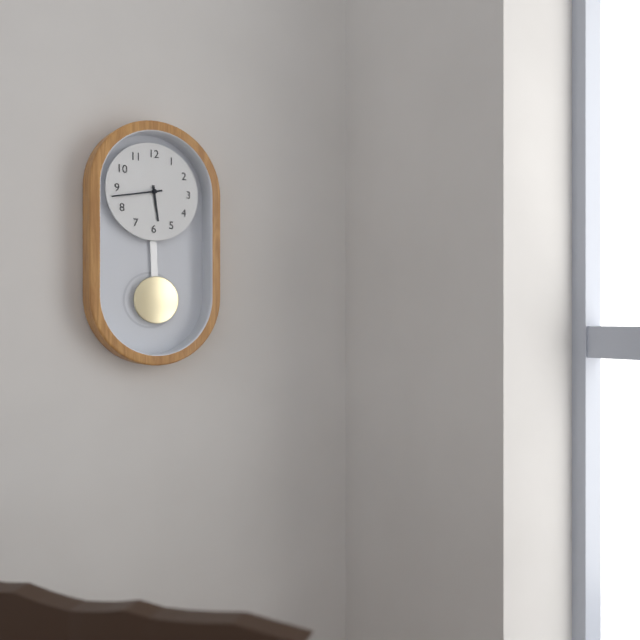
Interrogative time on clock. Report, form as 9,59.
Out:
5,43
